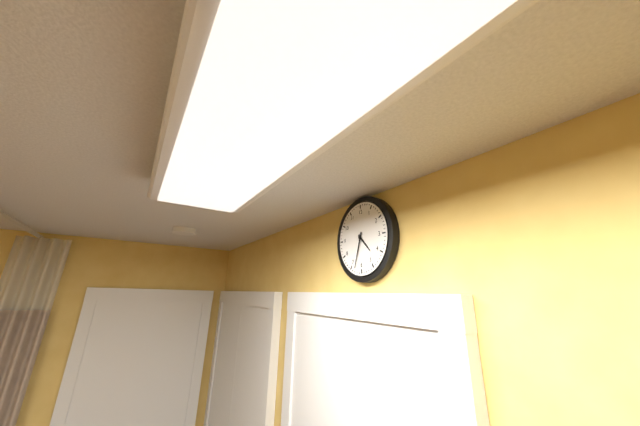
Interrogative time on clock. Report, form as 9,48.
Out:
4,33
